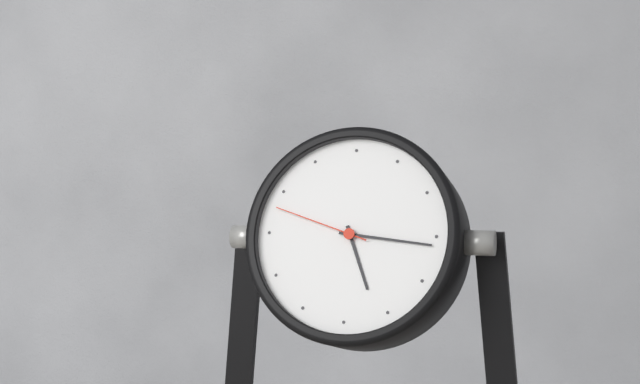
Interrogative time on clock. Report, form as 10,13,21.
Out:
5,16,48
